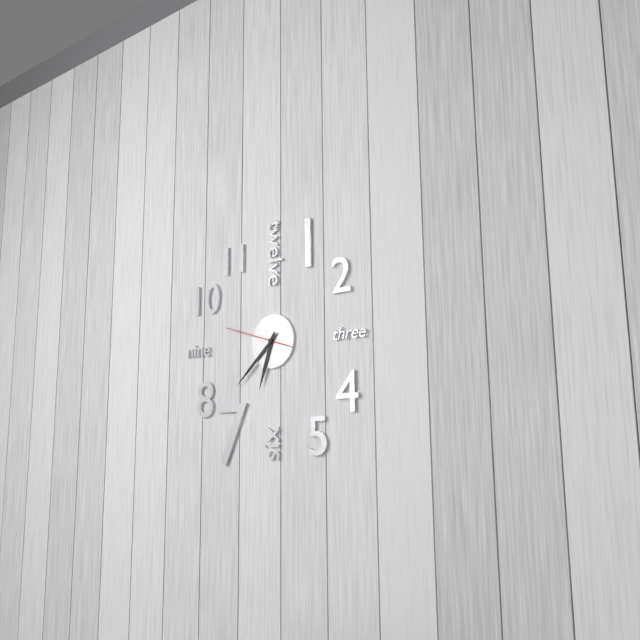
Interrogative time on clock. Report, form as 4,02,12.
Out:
6,38,48
